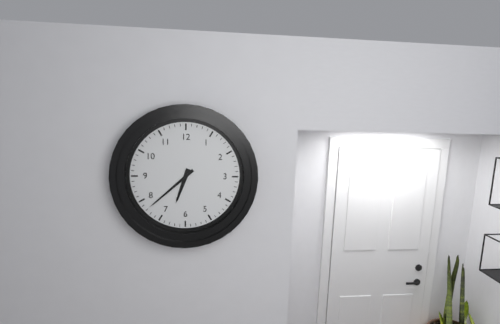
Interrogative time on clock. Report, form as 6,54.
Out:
6,38
